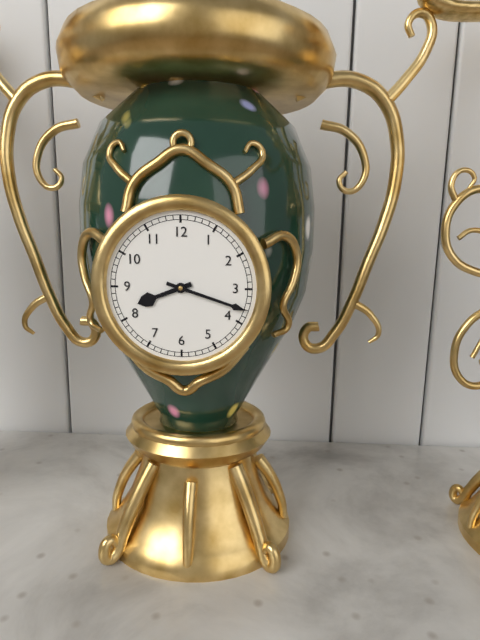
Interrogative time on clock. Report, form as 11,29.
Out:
8,18
